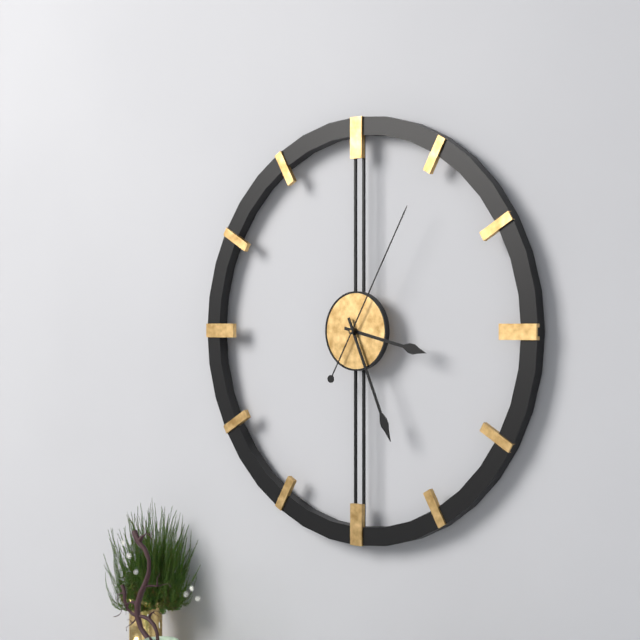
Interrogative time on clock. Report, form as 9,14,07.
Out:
3,26,05
